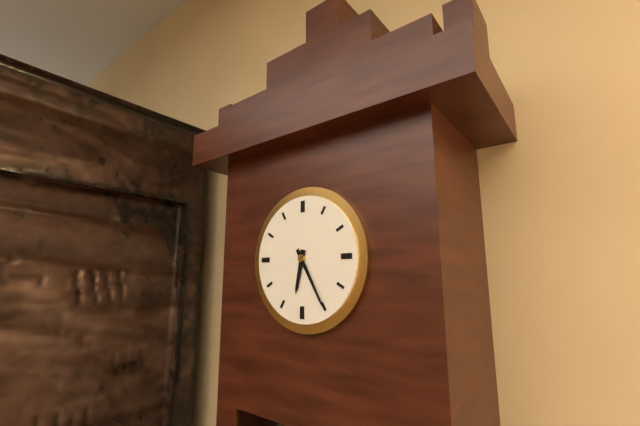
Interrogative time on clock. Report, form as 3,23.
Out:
6,25
